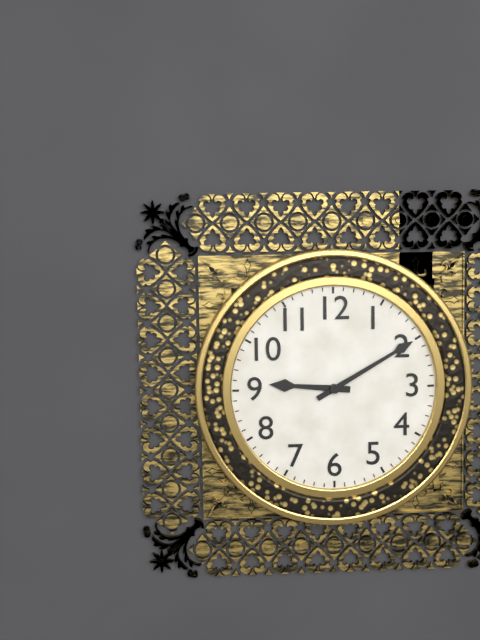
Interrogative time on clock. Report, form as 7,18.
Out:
9,10
